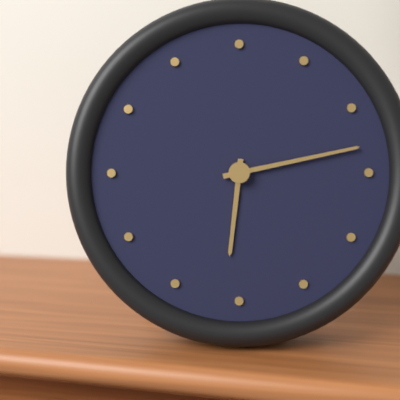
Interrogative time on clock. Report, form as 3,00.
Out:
6,13
